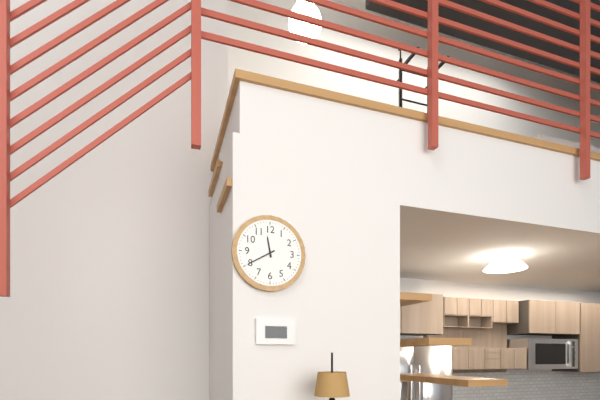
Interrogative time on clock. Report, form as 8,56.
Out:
11,40
